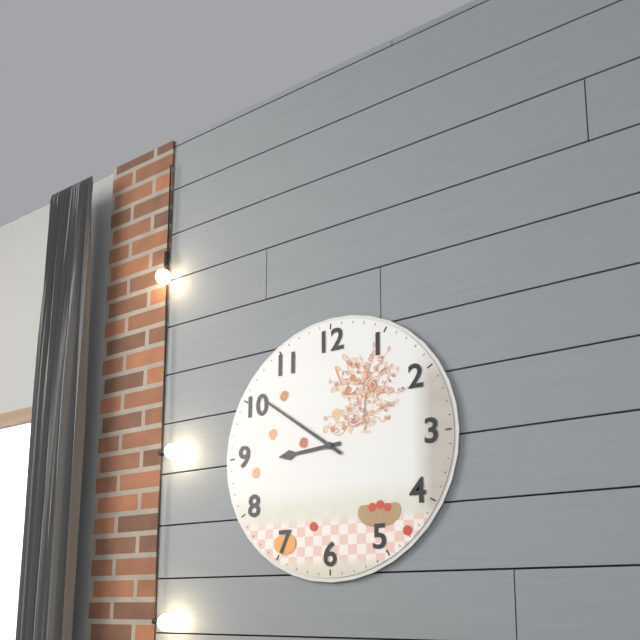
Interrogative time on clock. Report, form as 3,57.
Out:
8,51
